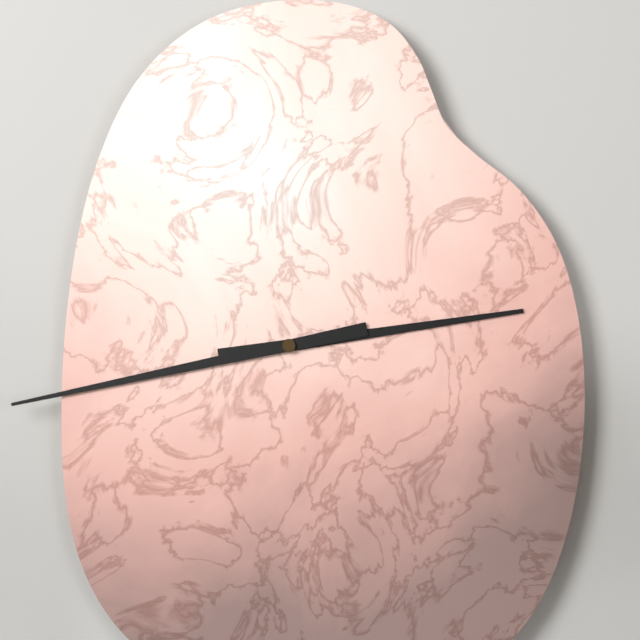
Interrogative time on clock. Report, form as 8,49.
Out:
2,43
